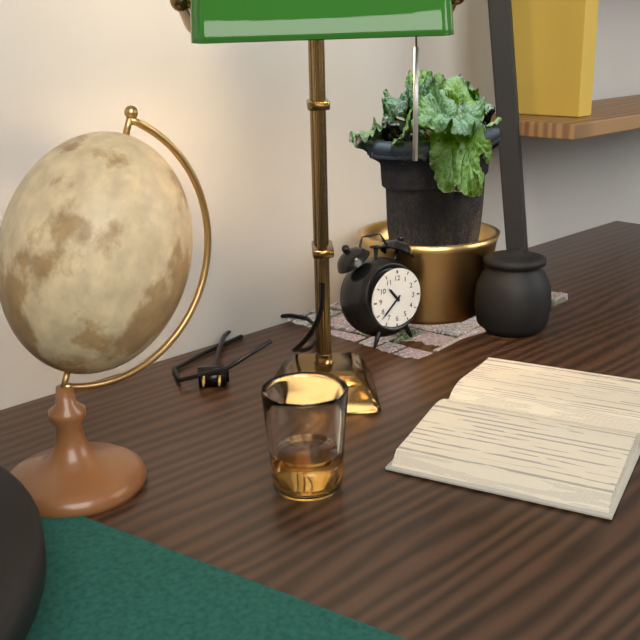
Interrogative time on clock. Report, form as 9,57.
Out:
10,38
